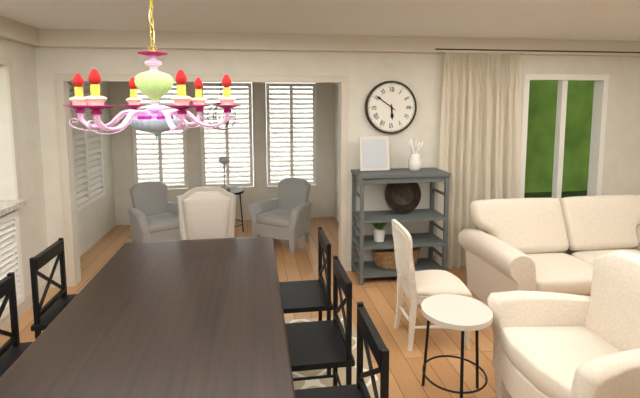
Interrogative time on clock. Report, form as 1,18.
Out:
5,51
